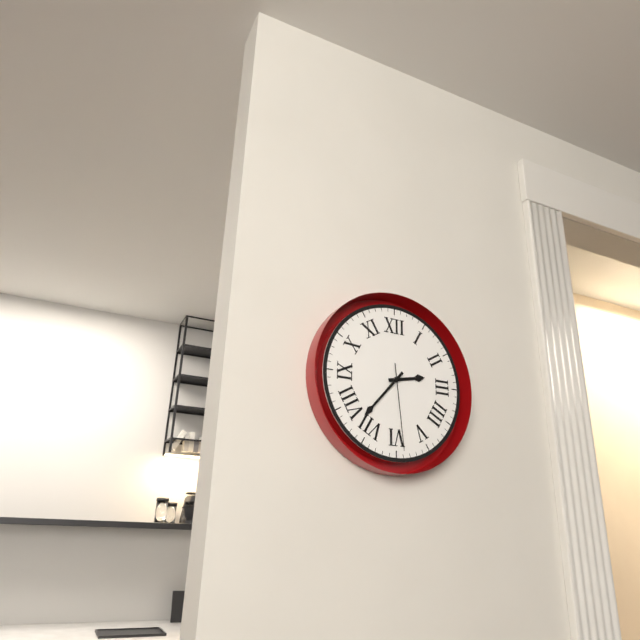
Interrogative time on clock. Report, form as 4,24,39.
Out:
2,37,29
